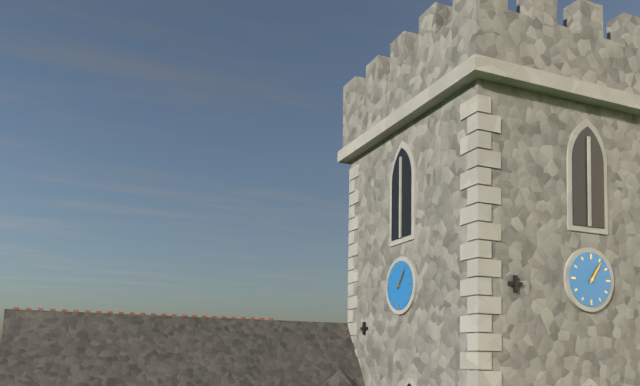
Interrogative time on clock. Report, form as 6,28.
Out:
1,06
